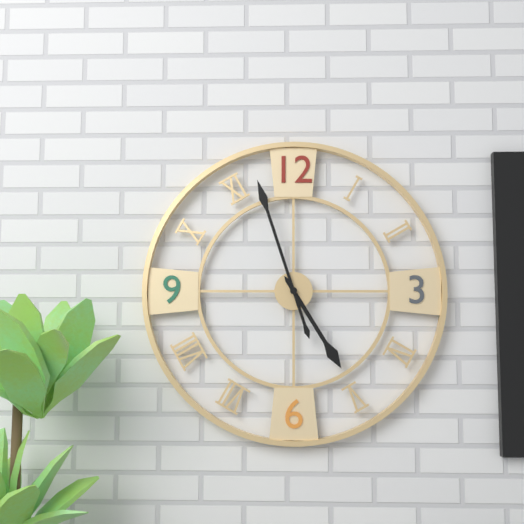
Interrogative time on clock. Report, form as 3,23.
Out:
4,57
